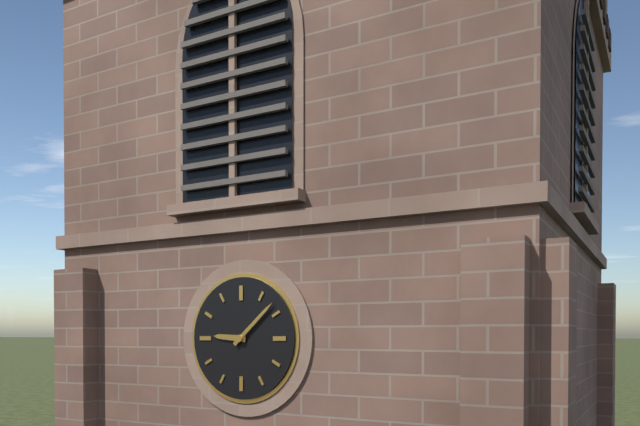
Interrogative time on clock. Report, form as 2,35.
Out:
9,08
